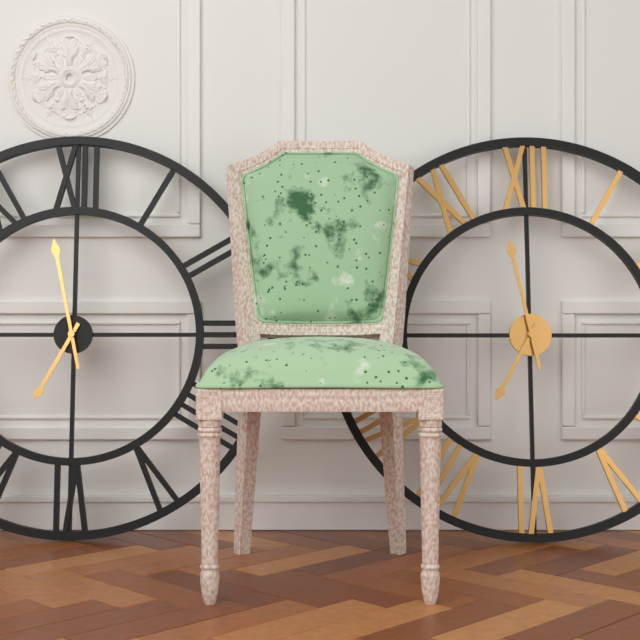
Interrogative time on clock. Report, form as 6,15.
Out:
6,58
